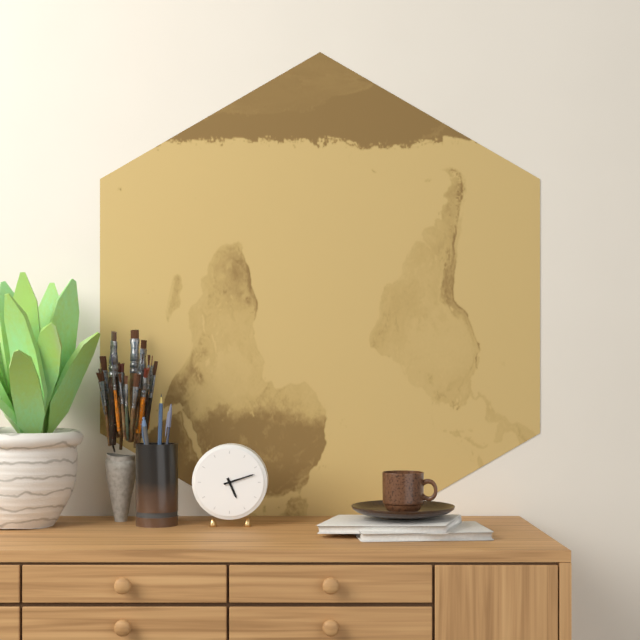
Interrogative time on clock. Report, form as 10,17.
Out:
5,12
